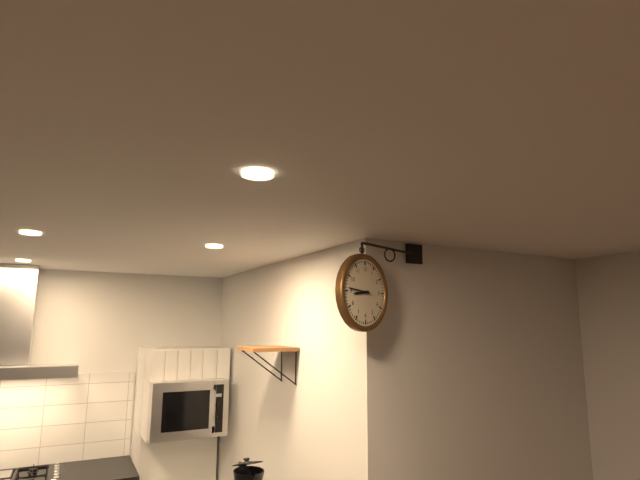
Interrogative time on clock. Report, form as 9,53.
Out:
8,46
